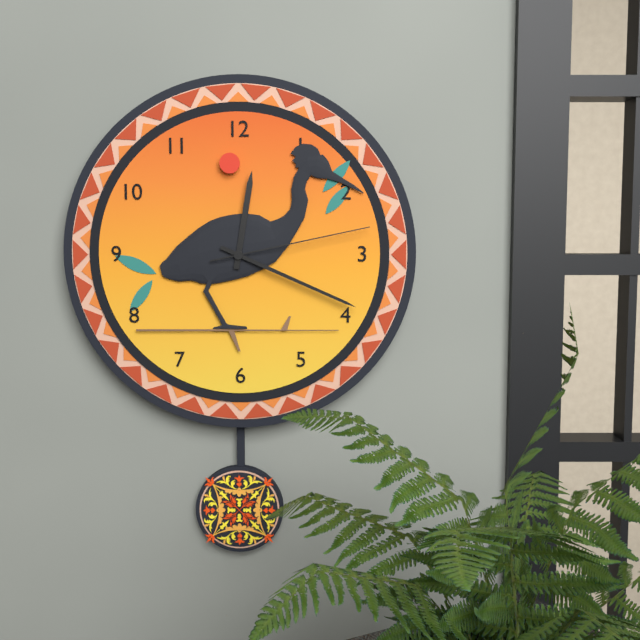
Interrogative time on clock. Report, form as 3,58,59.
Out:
12,19,13
